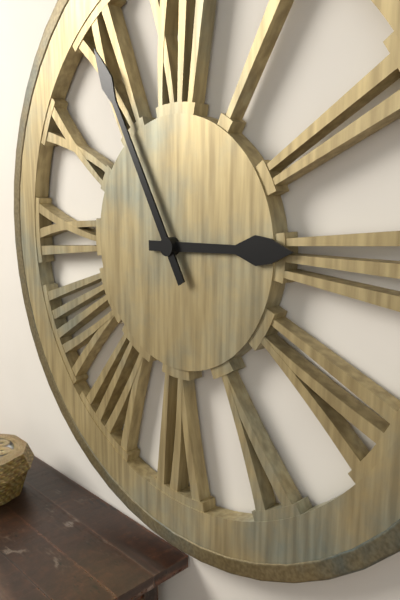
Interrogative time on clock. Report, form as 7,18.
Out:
2,55
